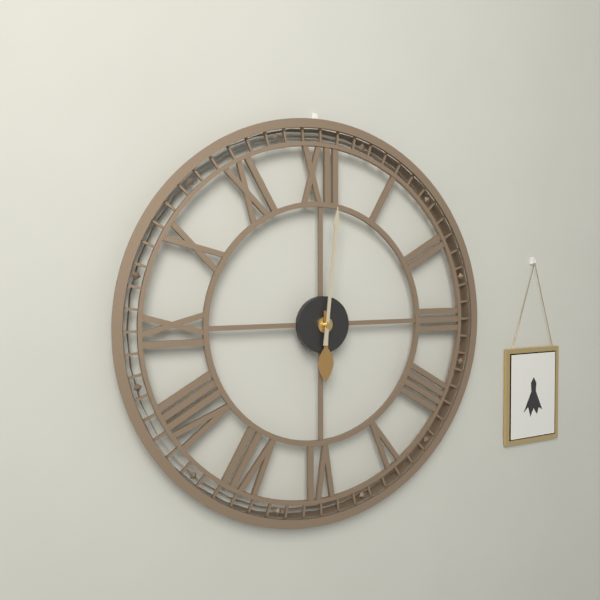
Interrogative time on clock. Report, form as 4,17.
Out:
6,01
